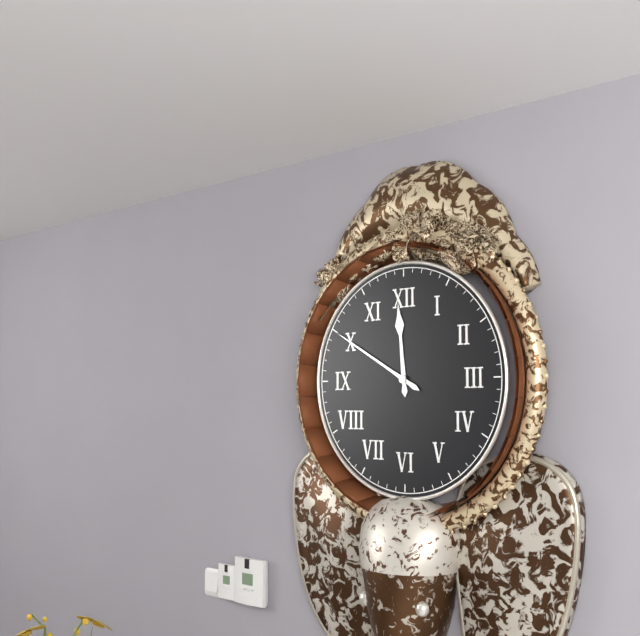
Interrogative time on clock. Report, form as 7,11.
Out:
11,50
